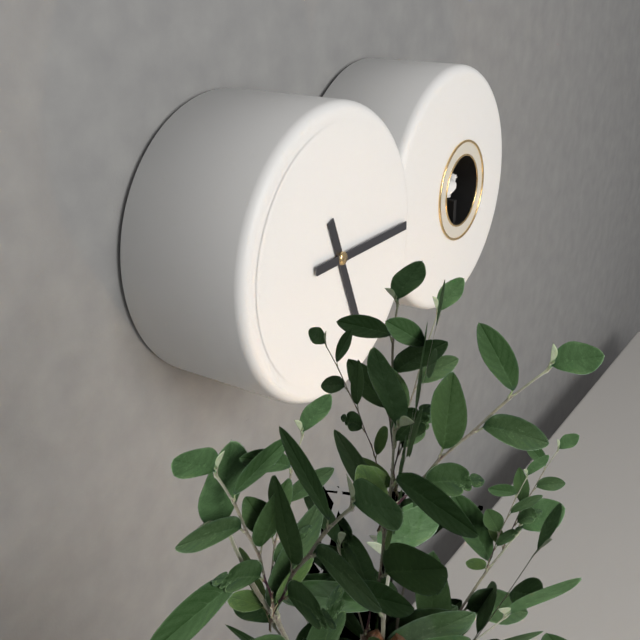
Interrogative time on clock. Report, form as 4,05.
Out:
5,15
